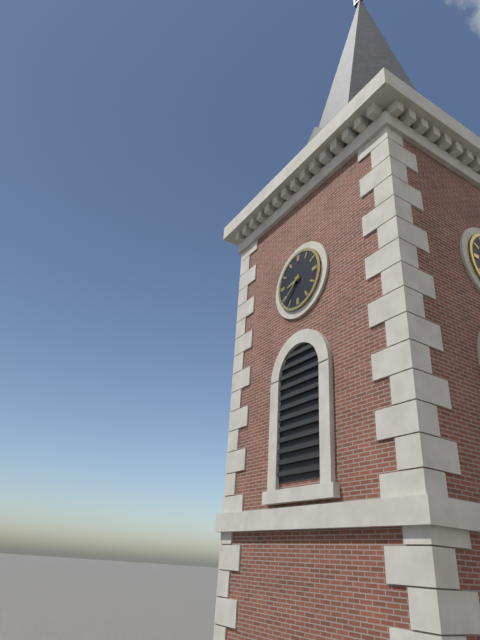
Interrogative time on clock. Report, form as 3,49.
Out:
8,38
